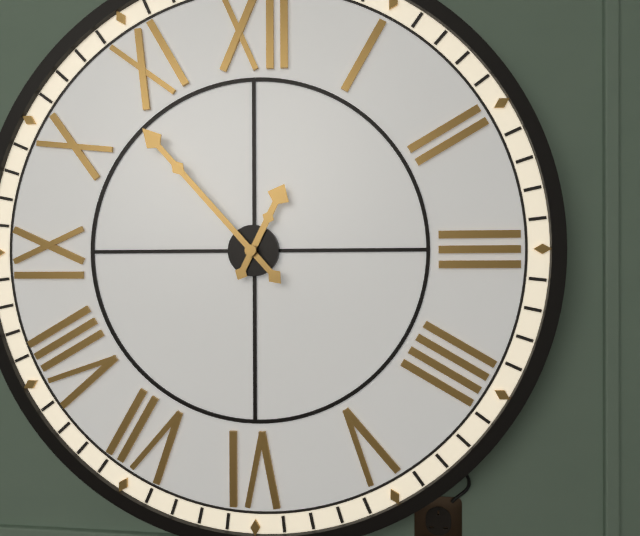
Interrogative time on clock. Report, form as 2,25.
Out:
12,53
